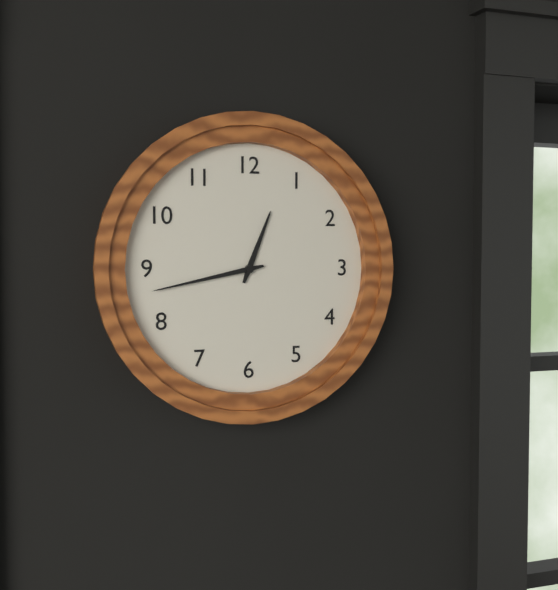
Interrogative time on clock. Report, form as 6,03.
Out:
12,43
